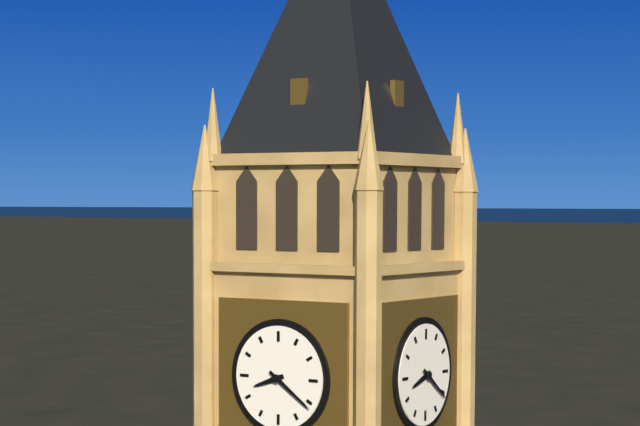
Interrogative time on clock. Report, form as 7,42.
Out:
8,21
